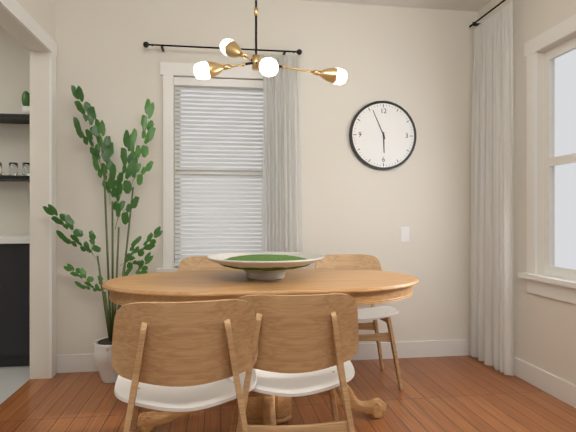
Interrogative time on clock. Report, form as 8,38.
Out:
5,56
